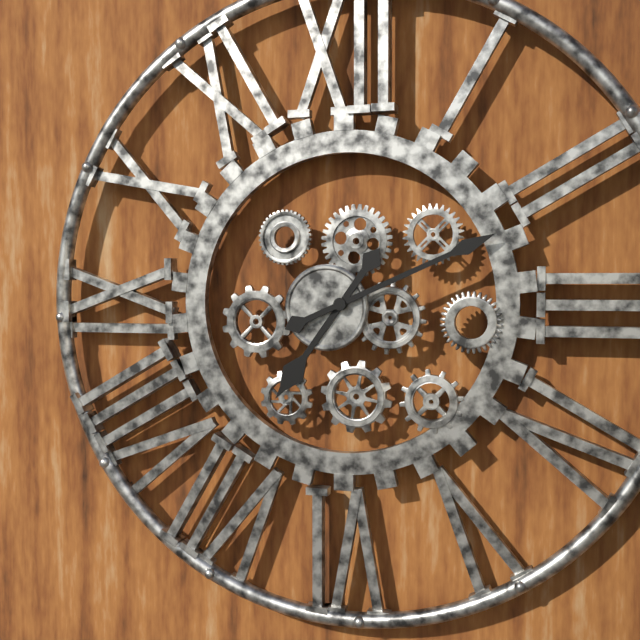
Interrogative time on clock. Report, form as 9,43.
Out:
7,11
